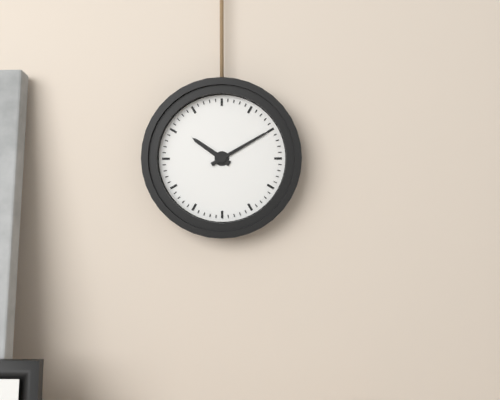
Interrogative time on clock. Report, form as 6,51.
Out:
10,10
